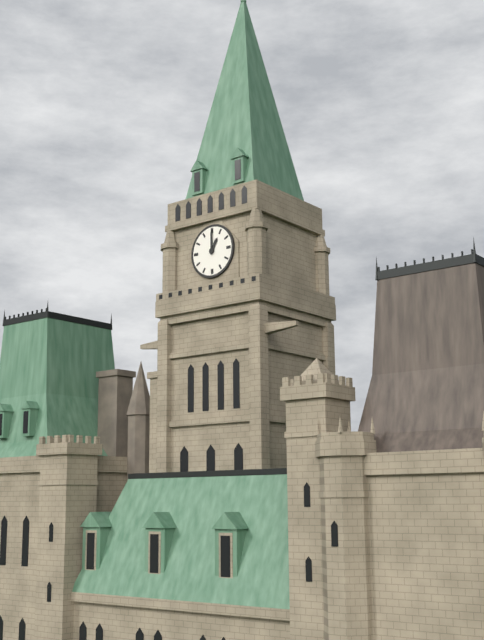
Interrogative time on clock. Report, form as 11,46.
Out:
1,00
